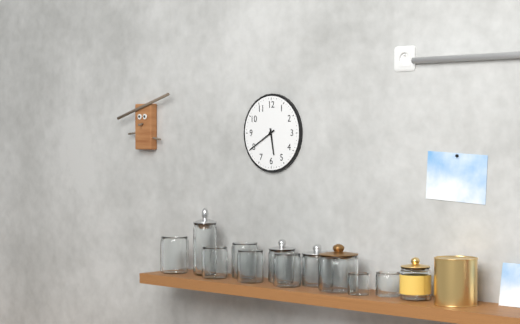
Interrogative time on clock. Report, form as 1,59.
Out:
5,40
